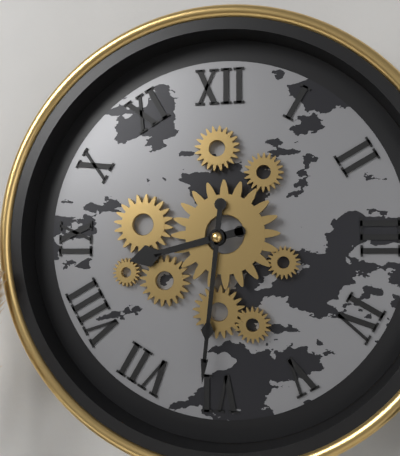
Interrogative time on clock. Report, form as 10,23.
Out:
8,31
